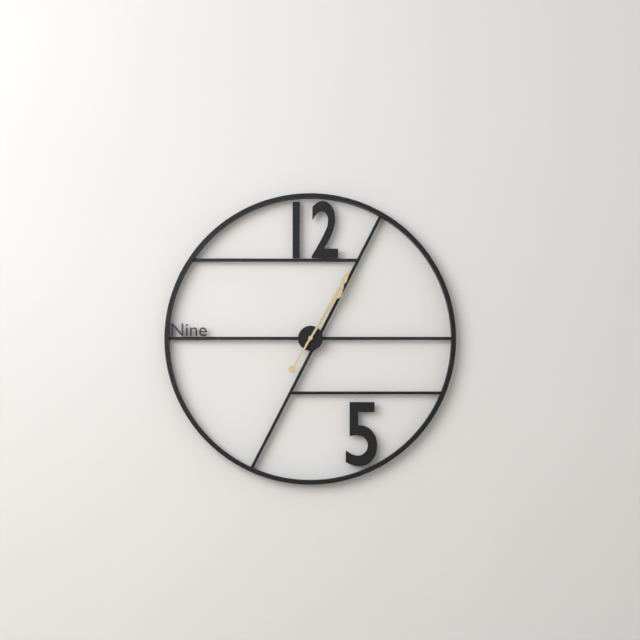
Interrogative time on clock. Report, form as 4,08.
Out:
1,05
